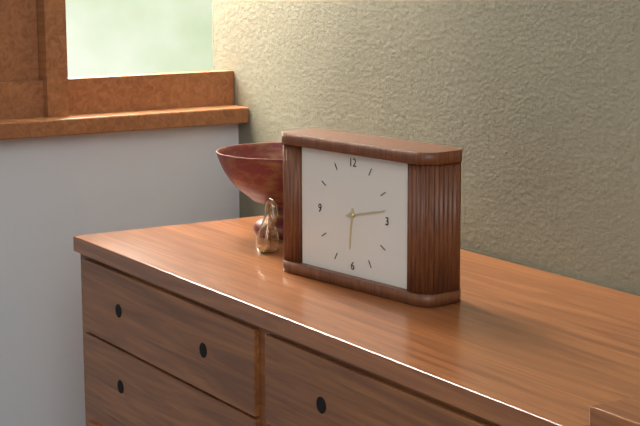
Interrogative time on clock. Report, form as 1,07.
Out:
6,13
